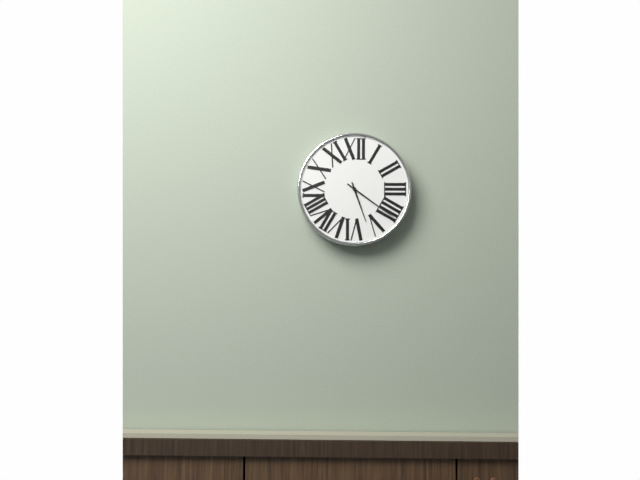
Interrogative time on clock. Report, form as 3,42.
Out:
5,21
